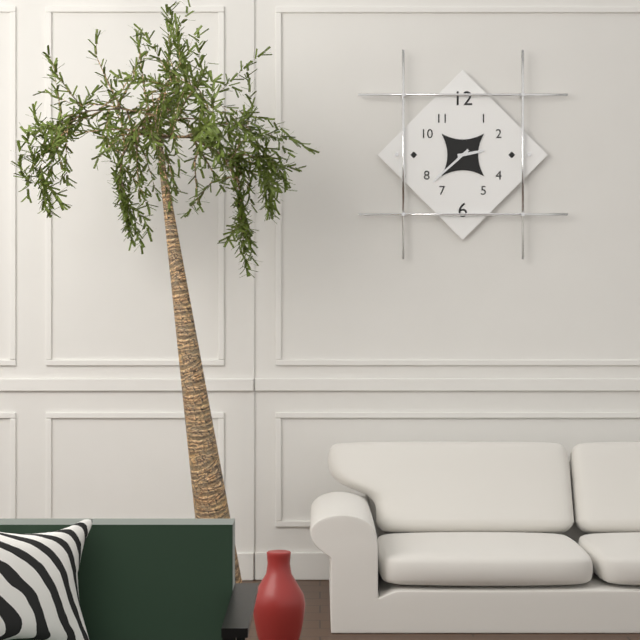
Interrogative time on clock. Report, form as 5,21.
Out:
2,38
